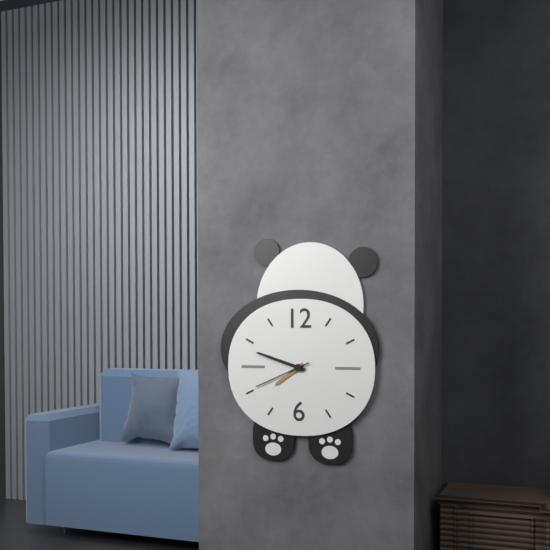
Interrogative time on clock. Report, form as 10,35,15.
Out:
7,48,41
